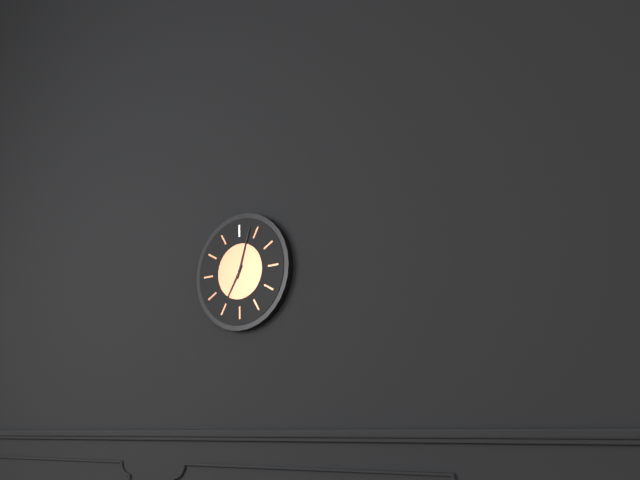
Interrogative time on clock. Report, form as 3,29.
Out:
7,03
